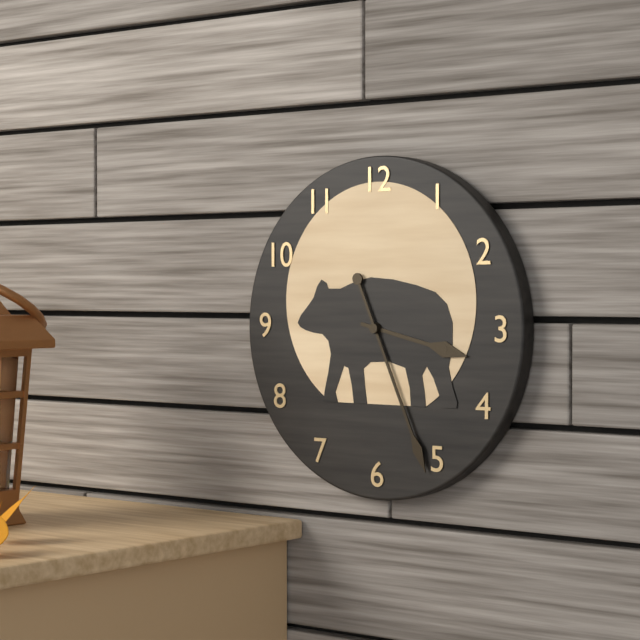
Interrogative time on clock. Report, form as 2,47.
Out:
3,26
